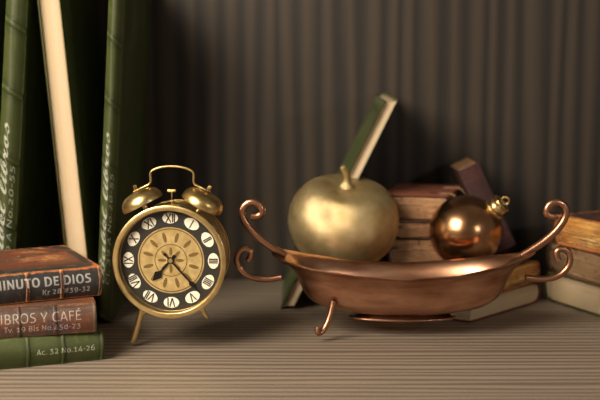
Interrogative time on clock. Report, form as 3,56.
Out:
7,23
